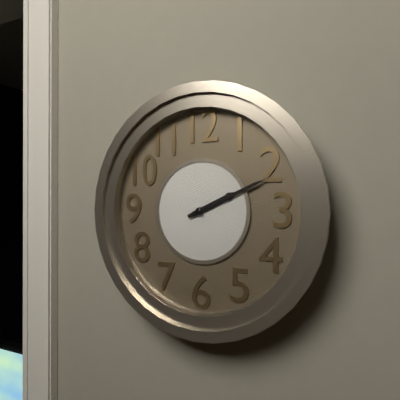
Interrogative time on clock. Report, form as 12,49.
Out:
2,11
